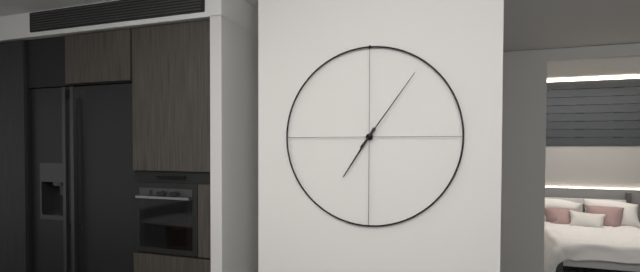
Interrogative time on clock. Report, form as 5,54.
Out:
7,06
